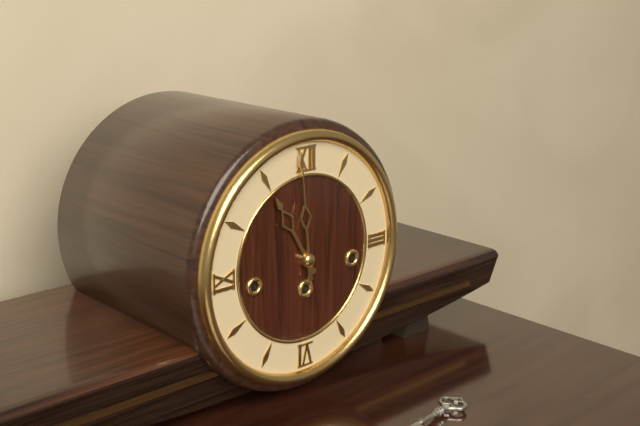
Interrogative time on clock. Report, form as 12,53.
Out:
10,59
